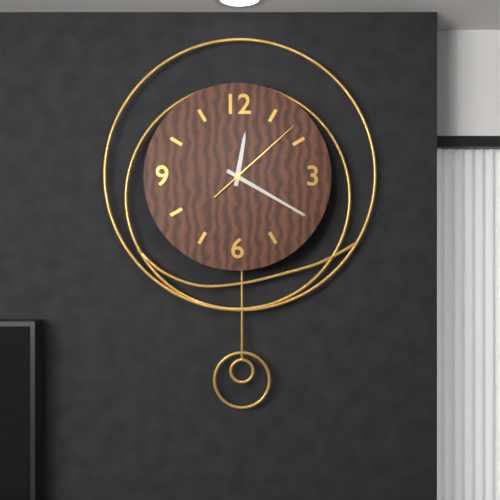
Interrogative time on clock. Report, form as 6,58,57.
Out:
12,20,08
